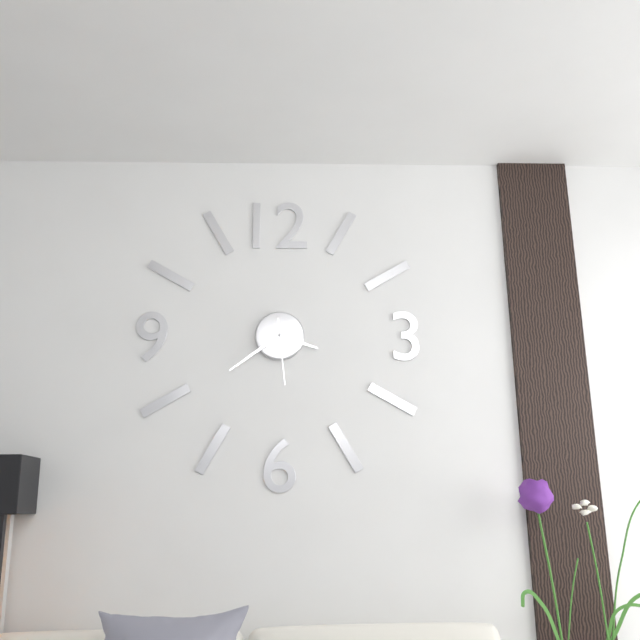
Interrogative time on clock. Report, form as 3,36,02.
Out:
3,39,29
